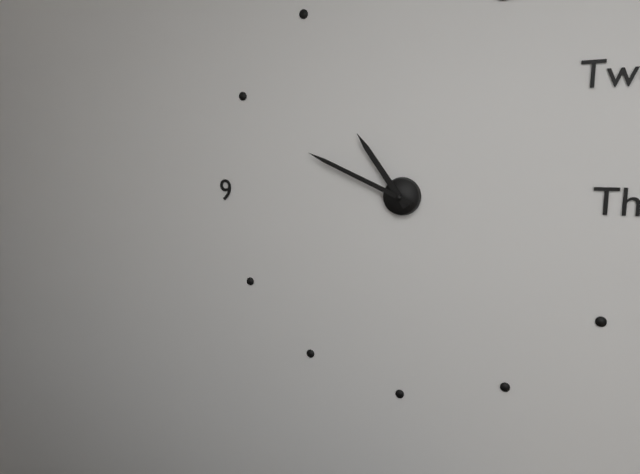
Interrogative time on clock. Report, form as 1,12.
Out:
10,49
